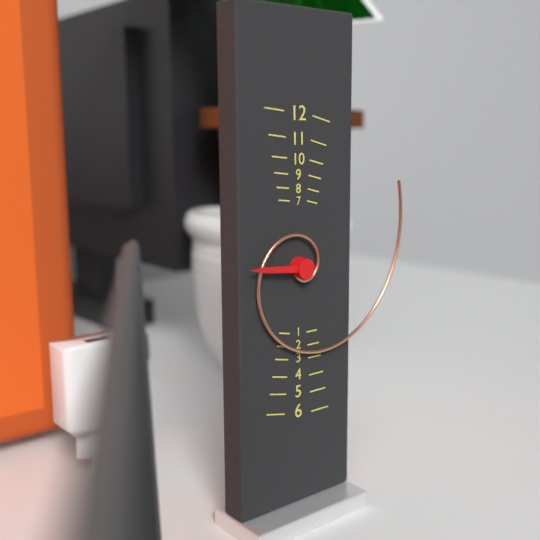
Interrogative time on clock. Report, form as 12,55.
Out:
9,10
